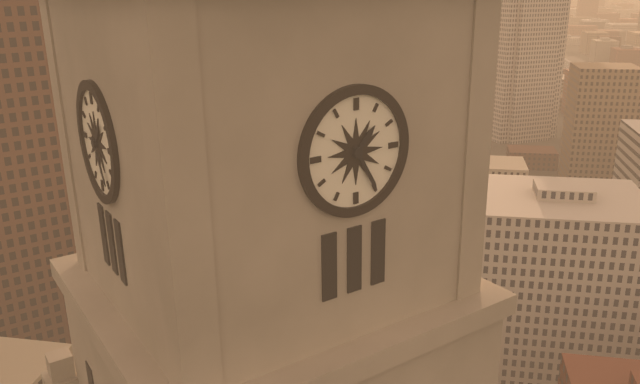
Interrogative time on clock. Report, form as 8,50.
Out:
1,25
